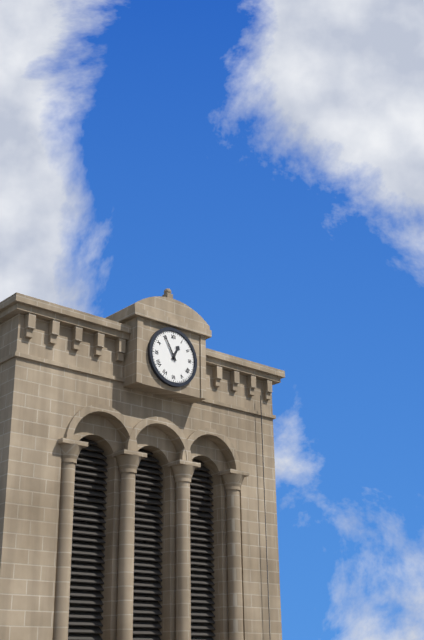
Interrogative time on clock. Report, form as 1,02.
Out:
12,55
